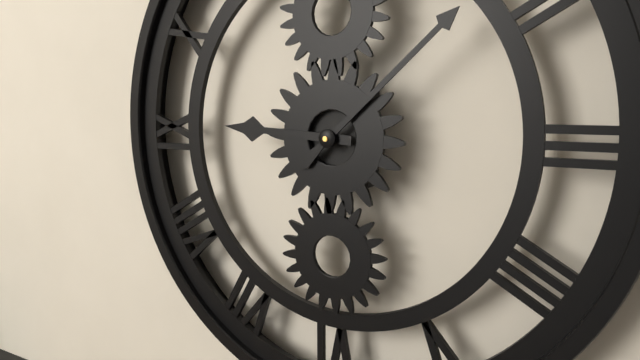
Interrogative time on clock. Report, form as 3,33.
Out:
9,08
